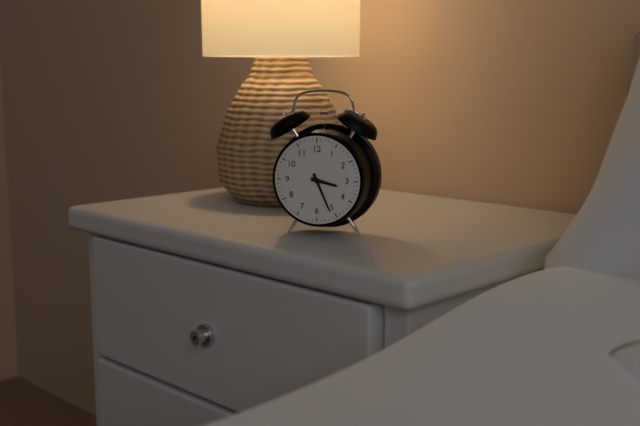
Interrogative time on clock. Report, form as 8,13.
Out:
3,26
